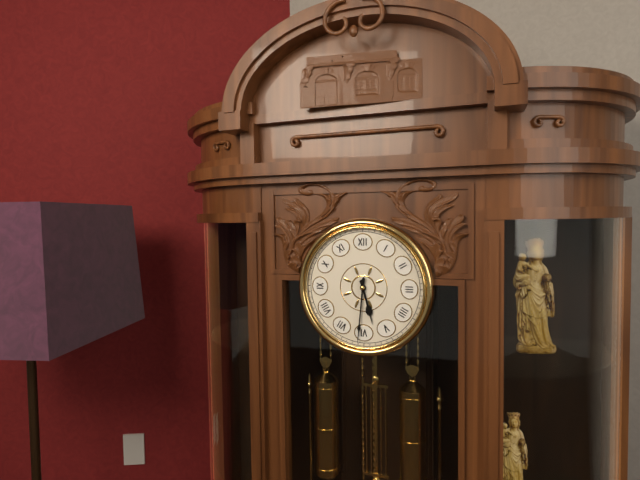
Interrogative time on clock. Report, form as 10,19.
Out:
5,31
